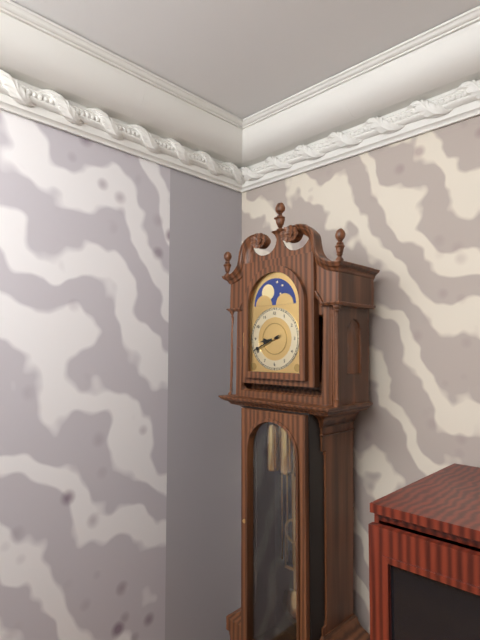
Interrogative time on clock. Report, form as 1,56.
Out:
8,41
